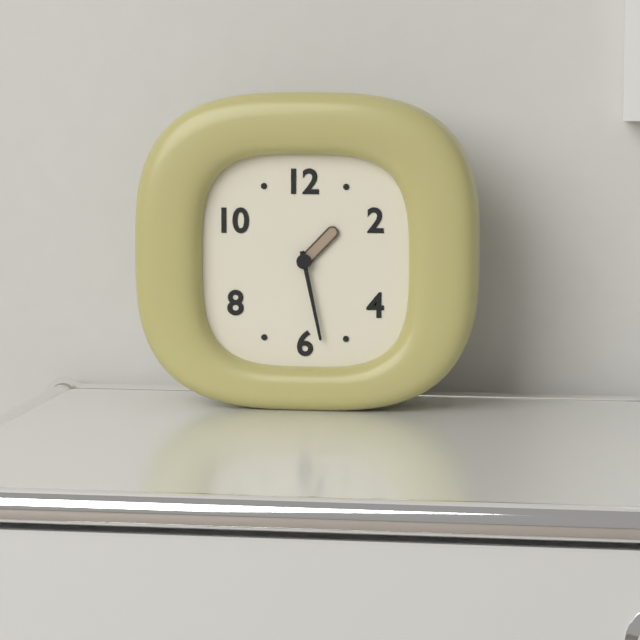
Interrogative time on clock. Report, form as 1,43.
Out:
1,28
